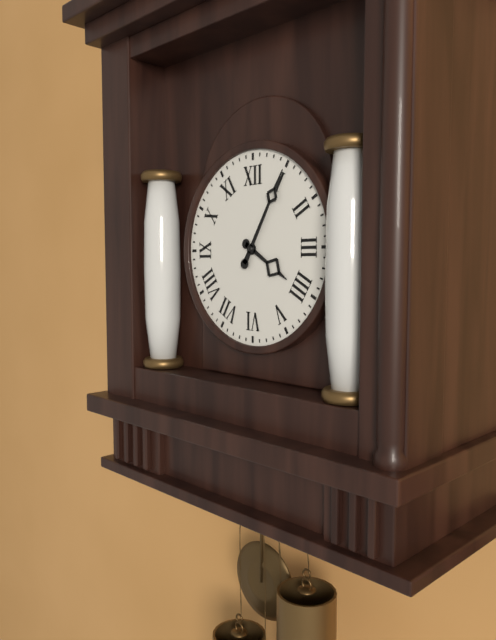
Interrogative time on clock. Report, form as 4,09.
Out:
4,05
